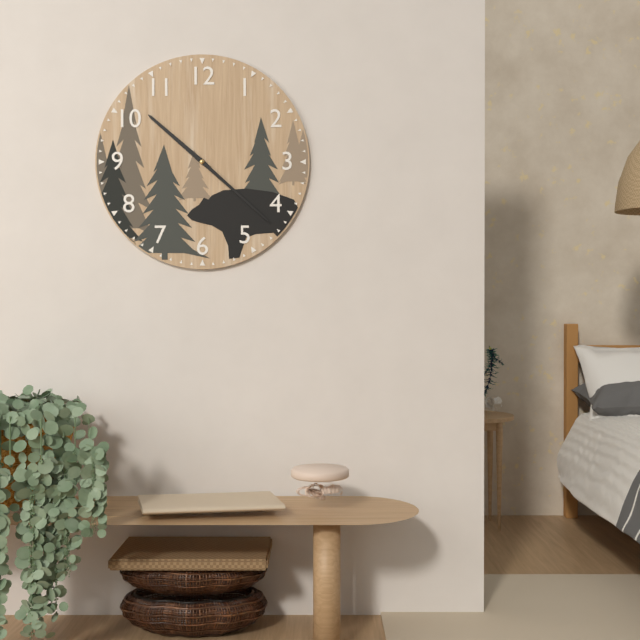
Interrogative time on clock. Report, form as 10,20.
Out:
10,22
